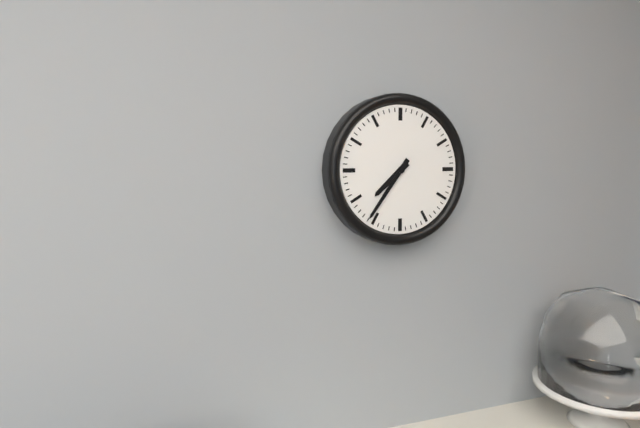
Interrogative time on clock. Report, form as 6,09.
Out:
7,36
